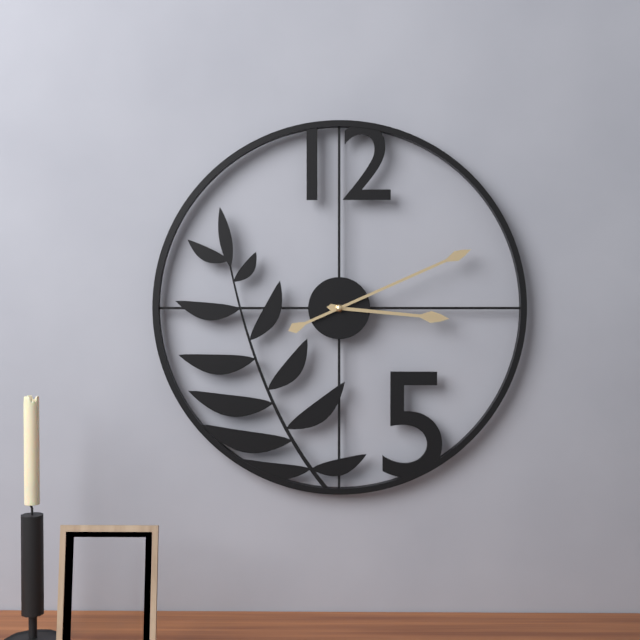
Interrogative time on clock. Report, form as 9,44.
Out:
3,11
